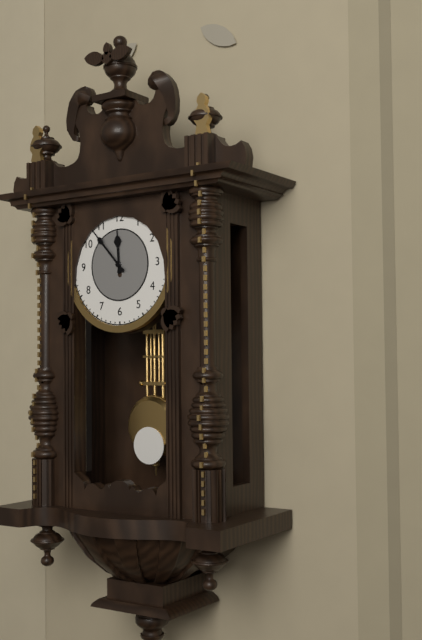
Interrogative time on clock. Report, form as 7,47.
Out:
11,53
